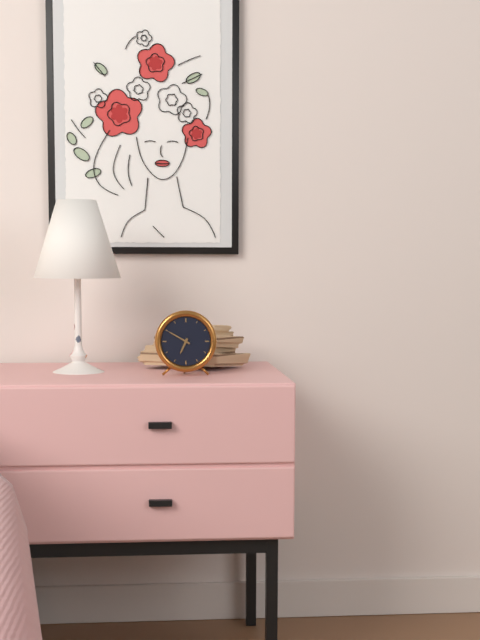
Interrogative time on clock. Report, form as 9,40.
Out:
6,50
